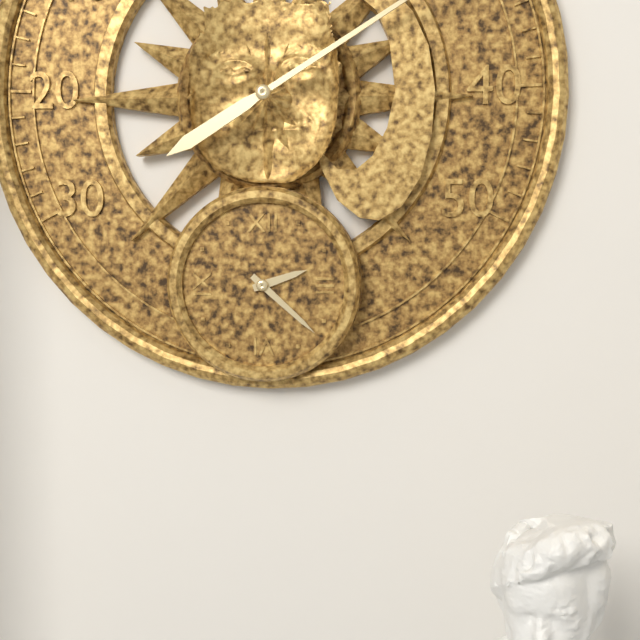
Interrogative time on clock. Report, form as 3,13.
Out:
2,22
